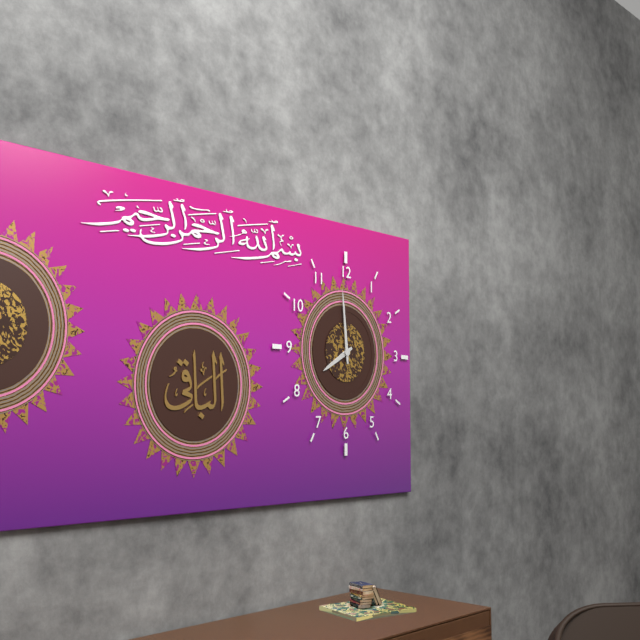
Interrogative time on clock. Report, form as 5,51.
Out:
7,59
